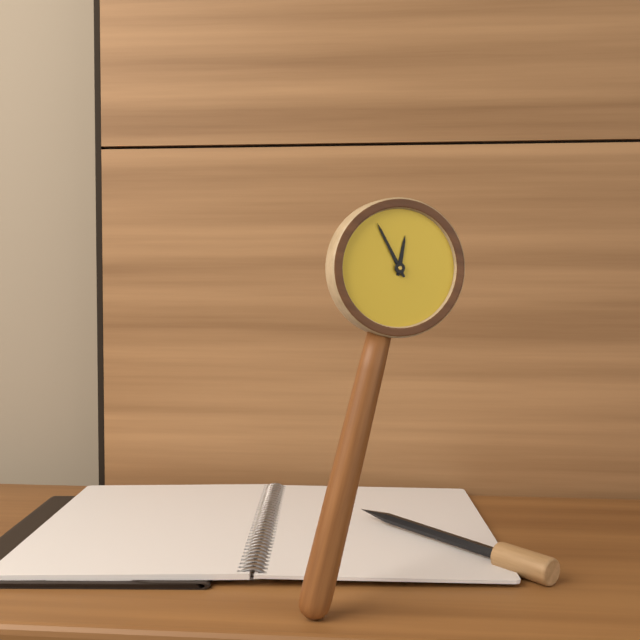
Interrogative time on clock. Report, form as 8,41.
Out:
11,53
